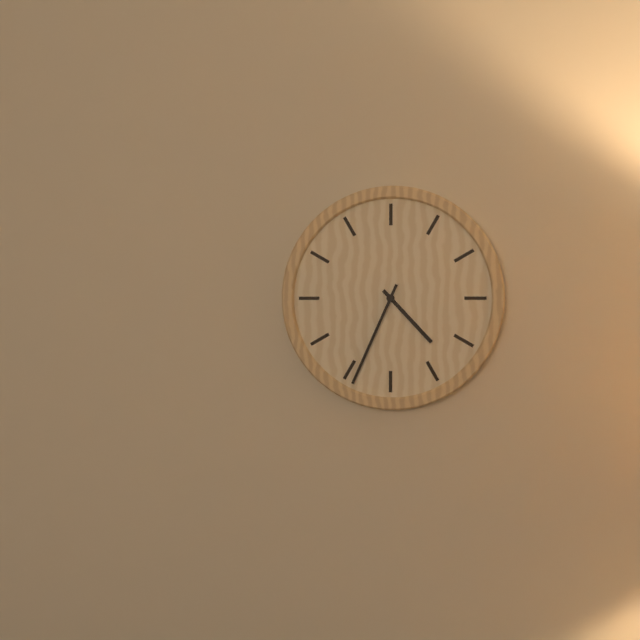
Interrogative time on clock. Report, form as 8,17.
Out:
4,34
